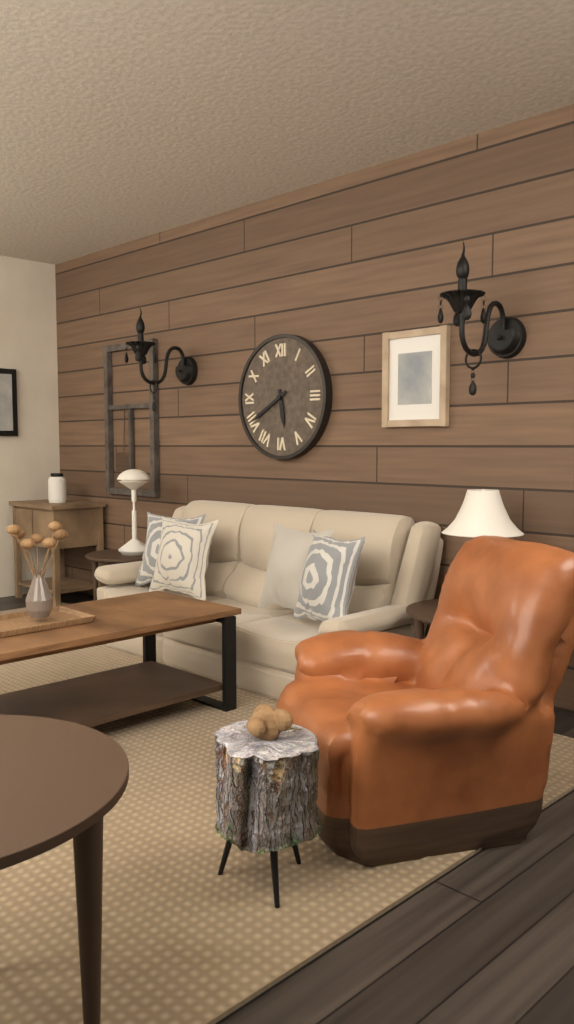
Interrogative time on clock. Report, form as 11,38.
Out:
5,40
